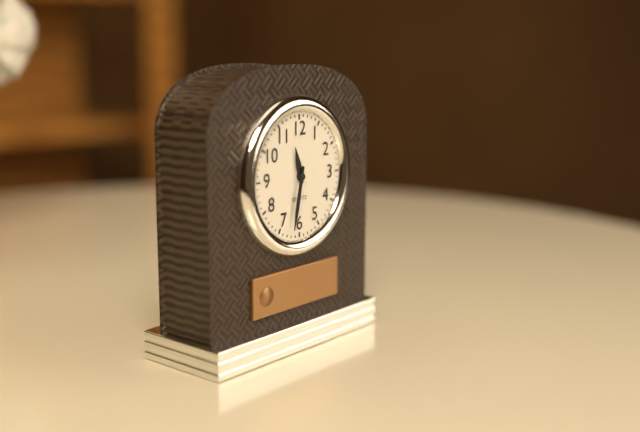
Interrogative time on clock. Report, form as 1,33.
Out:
11,32
